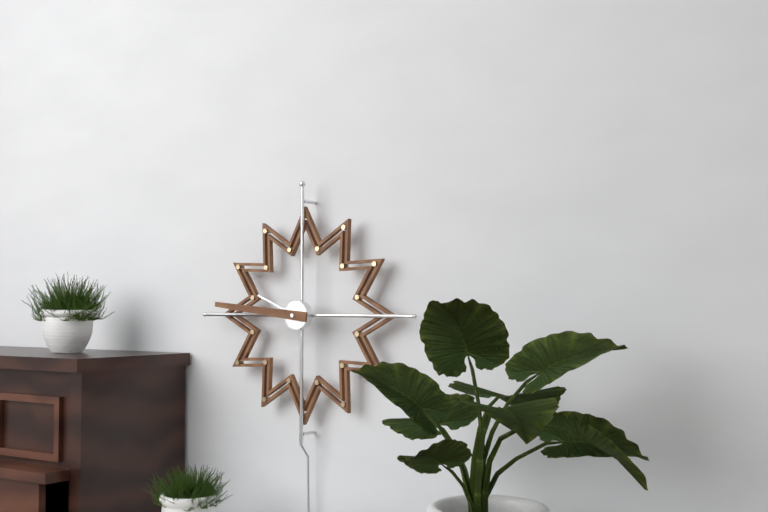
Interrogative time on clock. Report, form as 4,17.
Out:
9,46
